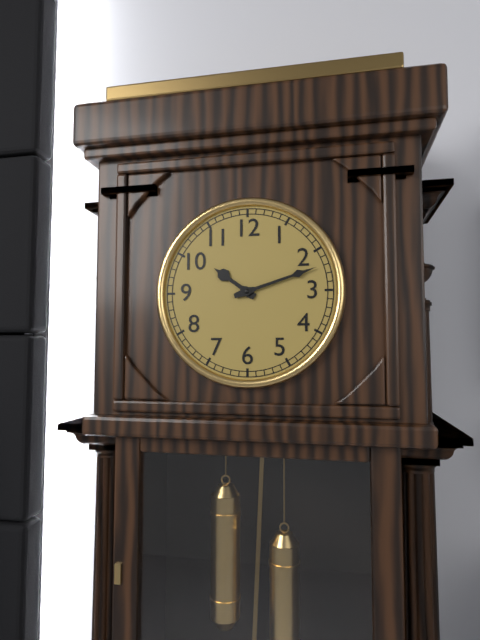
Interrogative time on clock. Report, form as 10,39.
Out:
10,12
